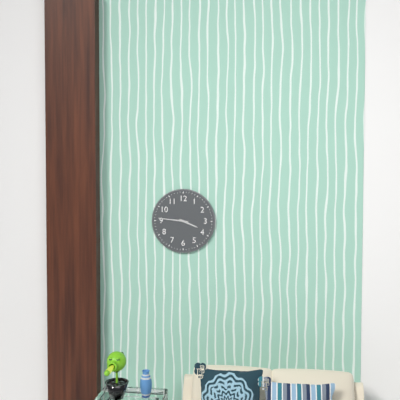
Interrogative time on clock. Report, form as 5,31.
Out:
3,46
